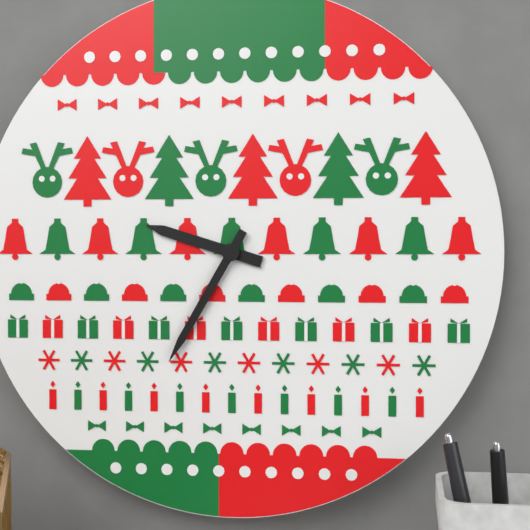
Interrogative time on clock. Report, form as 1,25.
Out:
9,35
